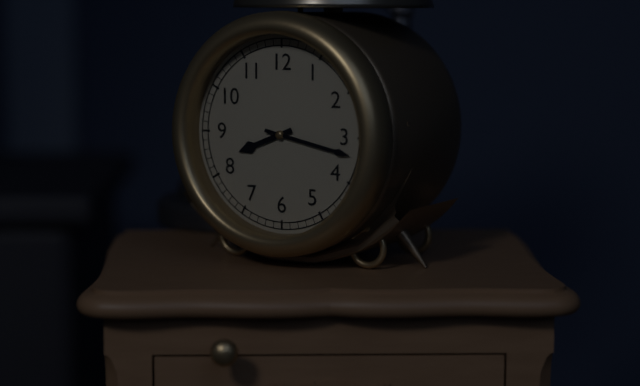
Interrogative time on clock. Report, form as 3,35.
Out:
8,17
